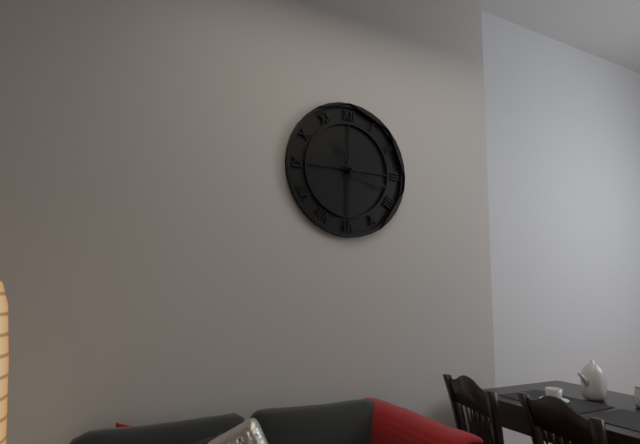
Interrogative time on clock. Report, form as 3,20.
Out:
11,18
